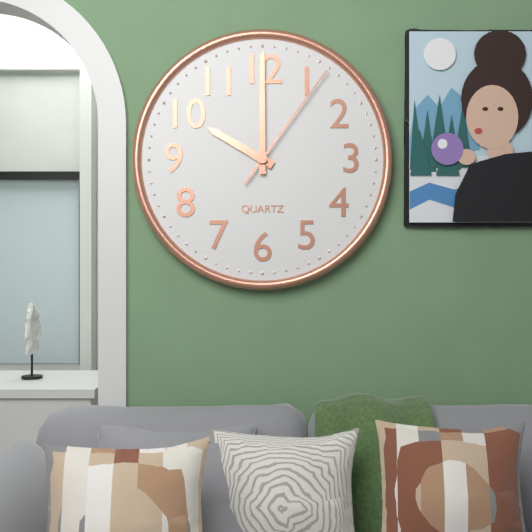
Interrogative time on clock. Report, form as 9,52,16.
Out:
10,00,06
